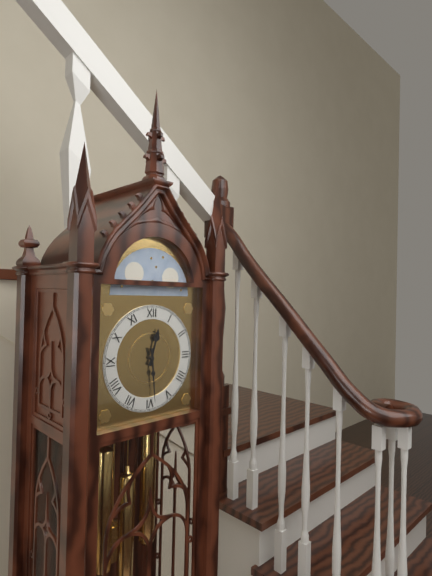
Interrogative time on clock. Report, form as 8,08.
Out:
12,29
